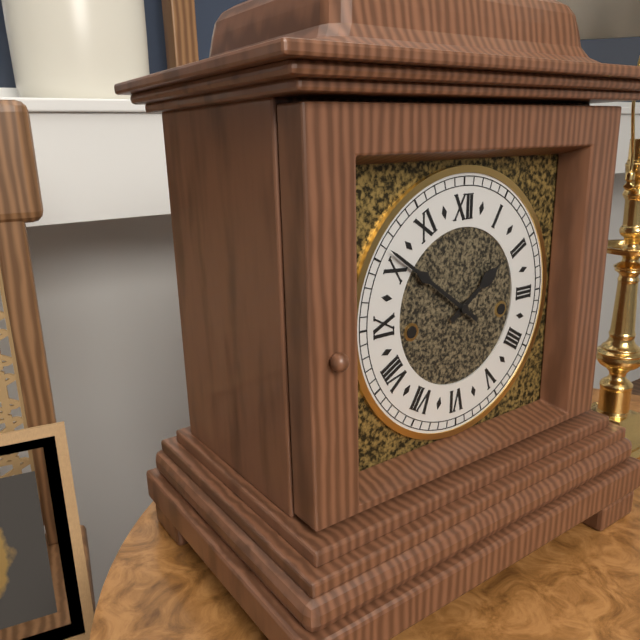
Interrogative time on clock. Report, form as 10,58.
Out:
1,51
